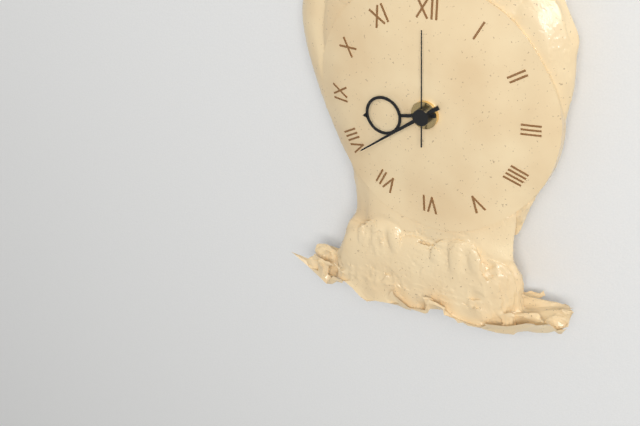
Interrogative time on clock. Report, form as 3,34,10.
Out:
8,39,00
